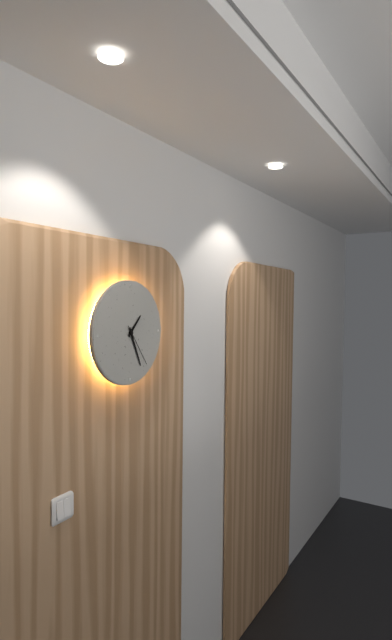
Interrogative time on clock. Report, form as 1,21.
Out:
1,26
